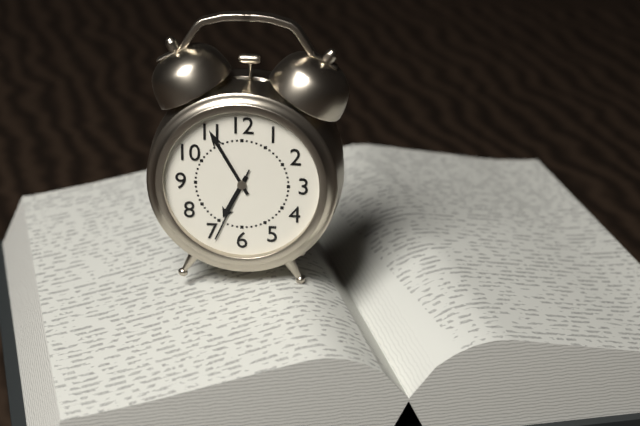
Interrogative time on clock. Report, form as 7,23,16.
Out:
6,55,34
